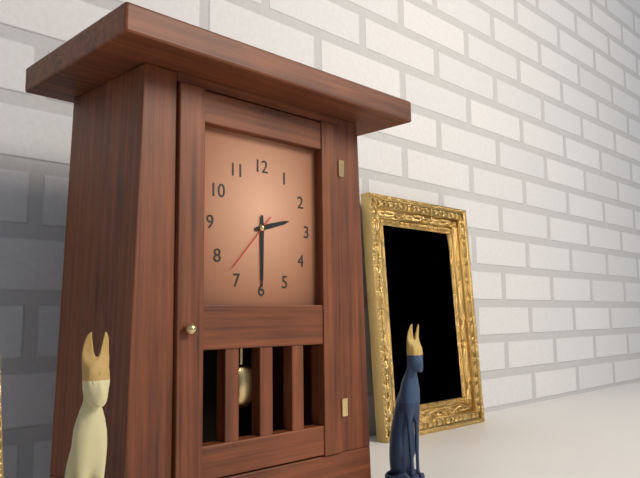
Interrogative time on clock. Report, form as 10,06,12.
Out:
2,30,37
